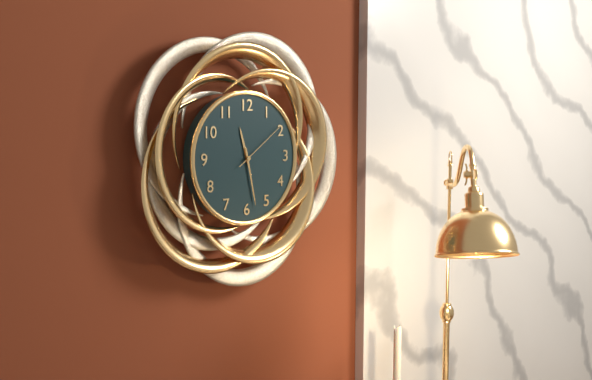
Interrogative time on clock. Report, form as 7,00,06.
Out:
11,28,09
